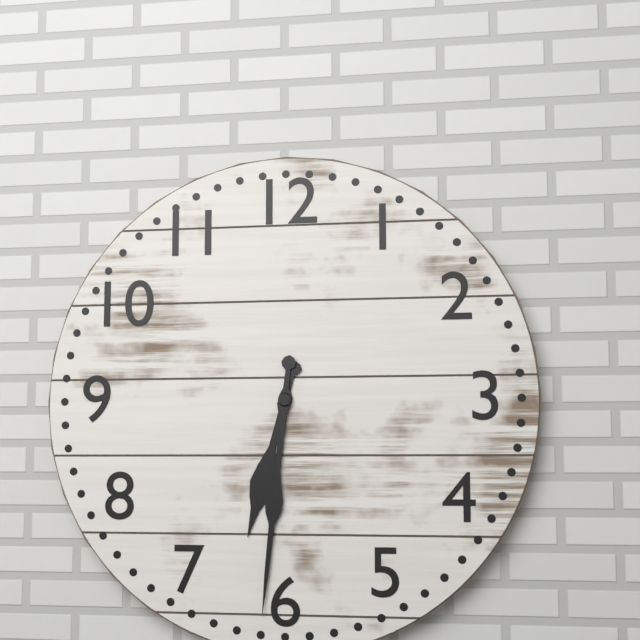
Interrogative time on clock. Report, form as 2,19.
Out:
6,31
